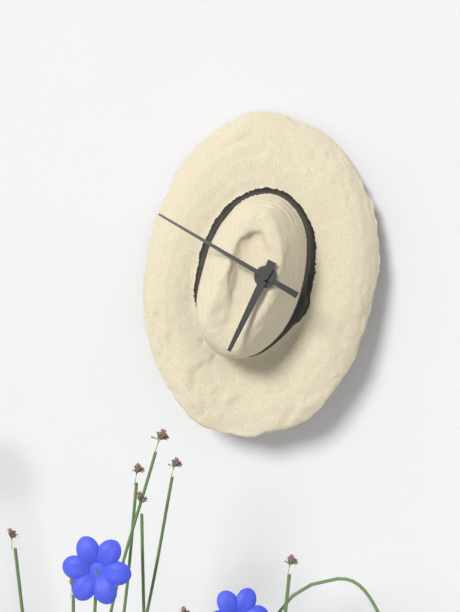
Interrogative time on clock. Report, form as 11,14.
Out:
6,50
